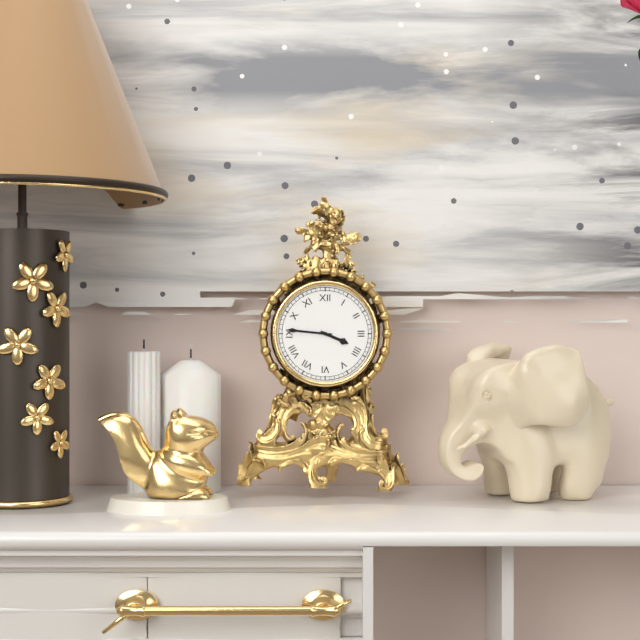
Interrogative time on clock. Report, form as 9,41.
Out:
3,46
